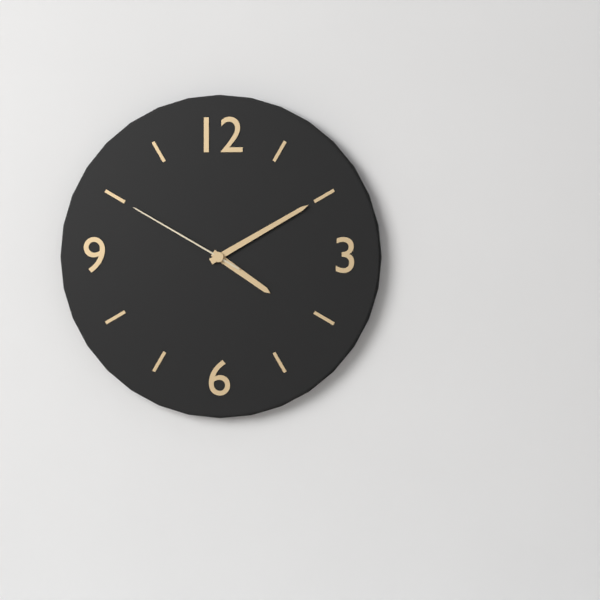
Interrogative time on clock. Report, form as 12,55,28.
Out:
4,10,50
